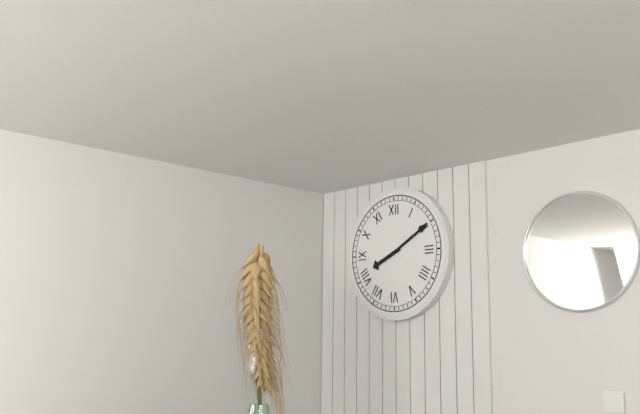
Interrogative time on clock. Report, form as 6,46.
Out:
8,10
